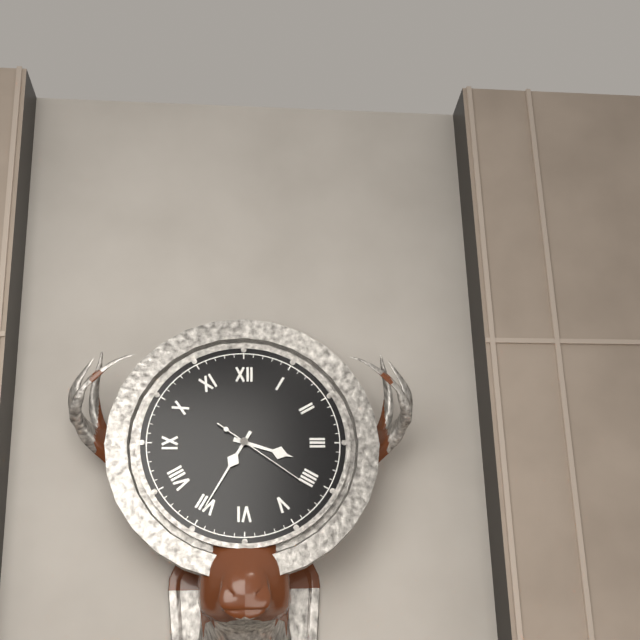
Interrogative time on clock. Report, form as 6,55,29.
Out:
3,35,21
